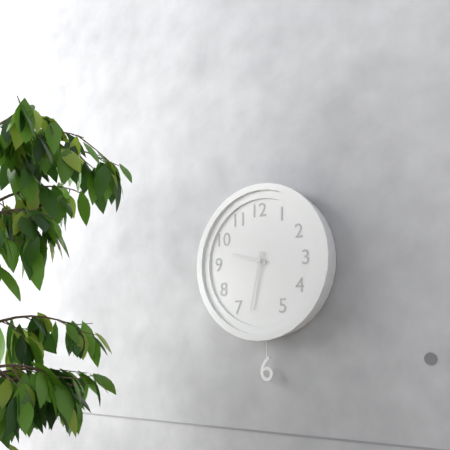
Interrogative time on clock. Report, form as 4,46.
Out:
9,32
